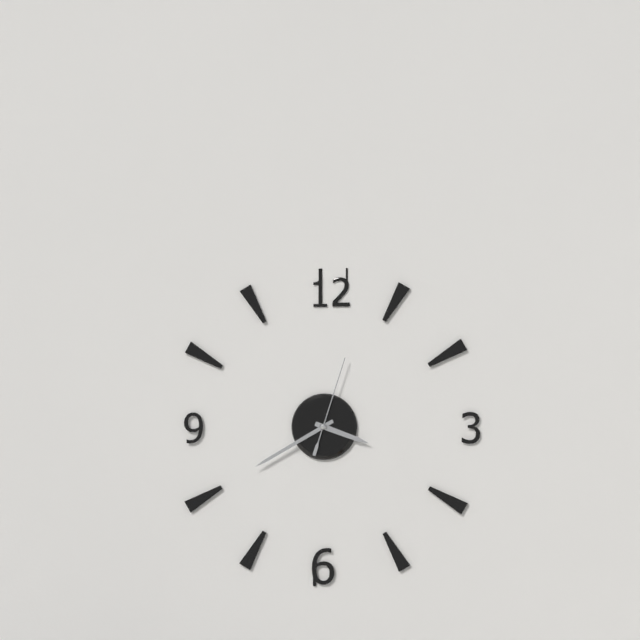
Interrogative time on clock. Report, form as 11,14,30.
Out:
3,40,03
